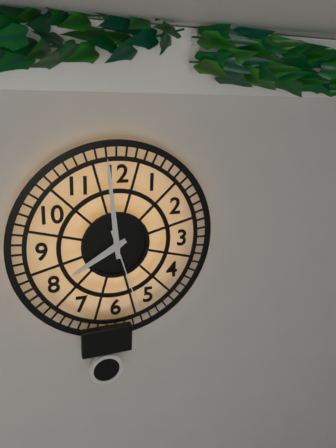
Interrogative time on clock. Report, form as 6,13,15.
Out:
7,59,27
